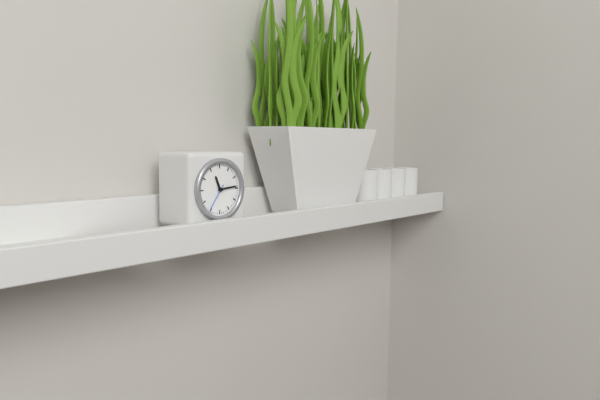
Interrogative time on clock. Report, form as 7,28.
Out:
11,14
